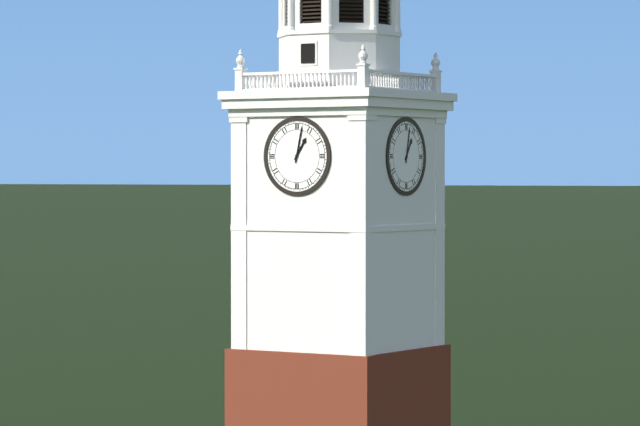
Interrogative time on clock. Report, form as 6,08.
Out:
1,02
